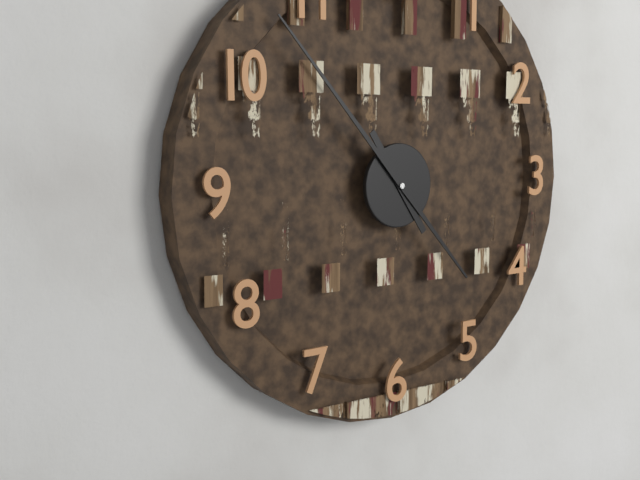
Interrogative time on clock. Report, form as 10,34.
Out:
10,53
